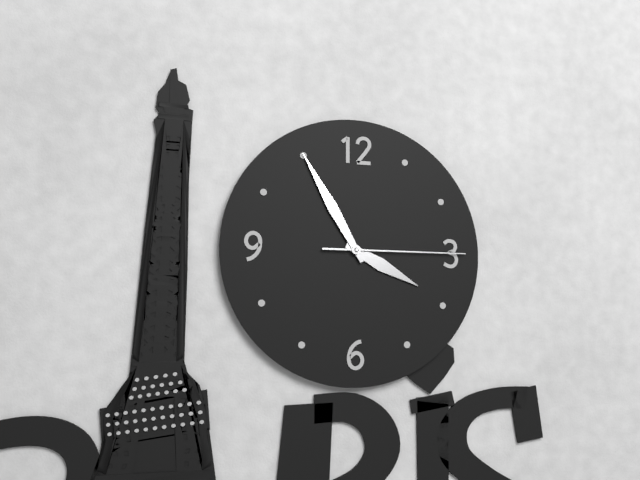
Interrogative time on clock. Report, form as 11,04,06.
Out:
3,55,15
